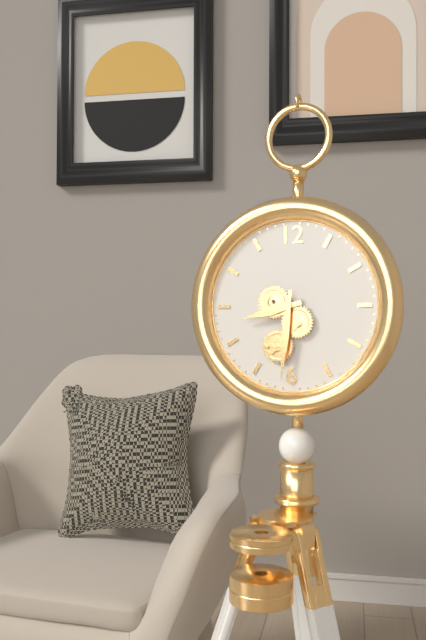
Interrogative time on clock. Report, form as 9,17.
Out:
8,31
